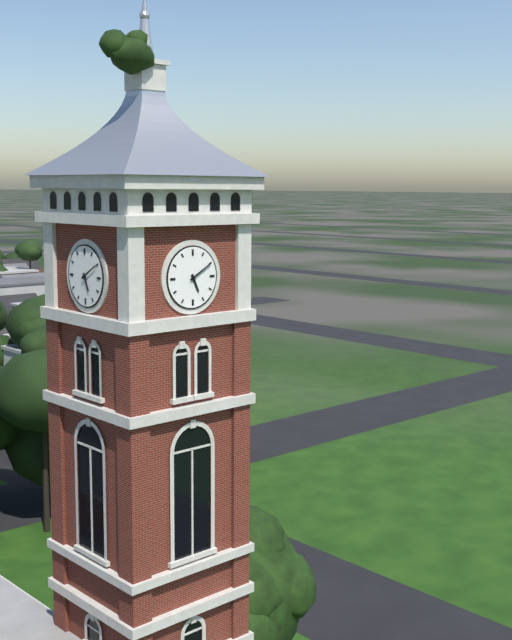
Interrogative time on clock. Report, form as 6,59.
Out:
5,10
